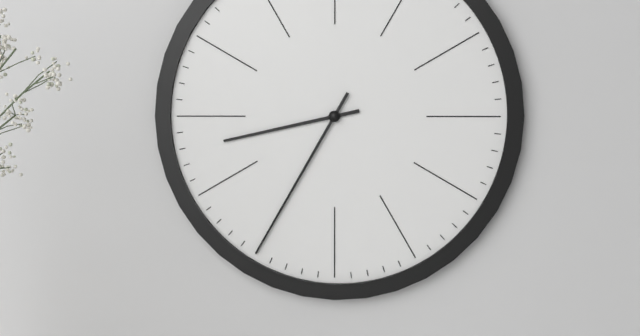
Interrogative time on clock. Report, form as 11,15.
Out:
8,35
